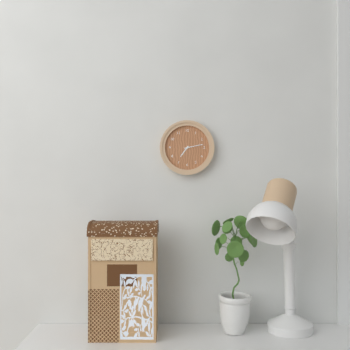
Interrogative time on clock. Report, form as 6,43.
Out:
7,13
